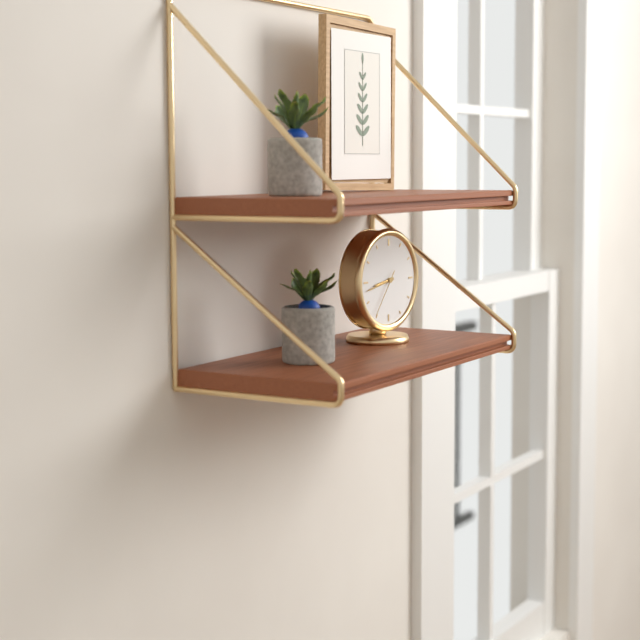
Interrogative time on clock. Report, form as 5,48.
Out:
8,43
